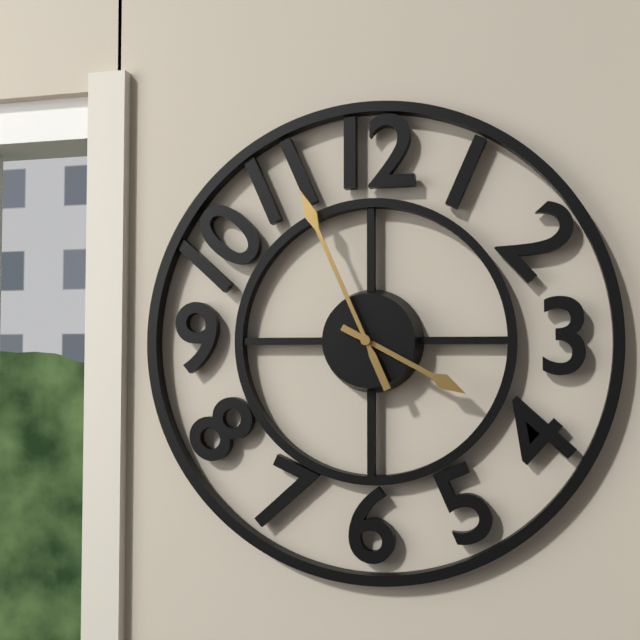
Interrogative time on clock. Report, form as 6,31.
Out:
3,56
